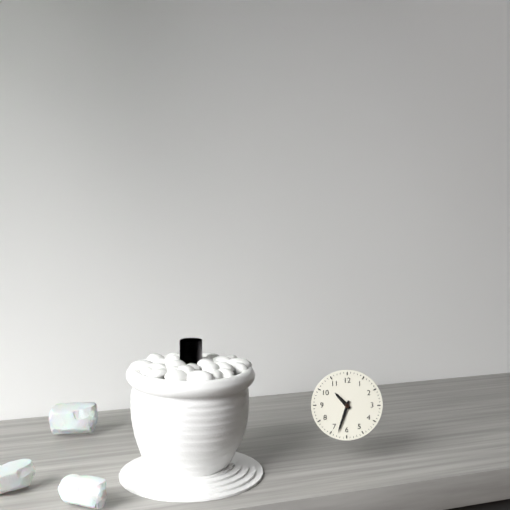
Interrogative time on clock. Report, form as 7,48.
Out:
10,33
